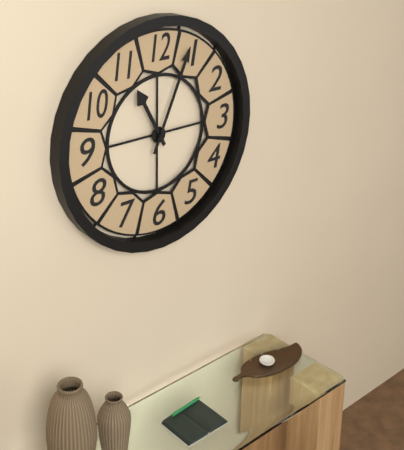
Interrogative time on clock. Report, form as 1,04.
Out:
11,04
